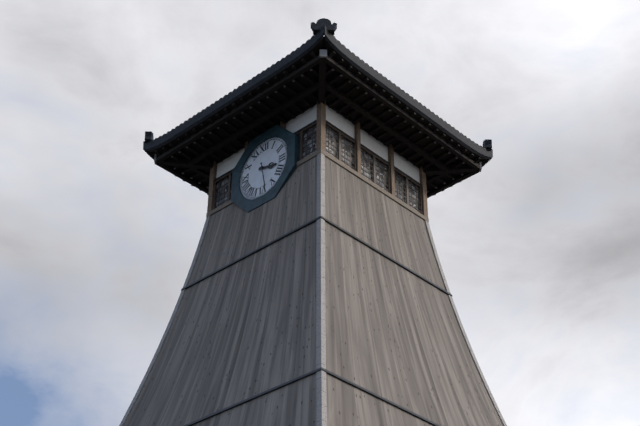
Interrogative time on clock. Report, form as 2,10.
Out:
3,28
